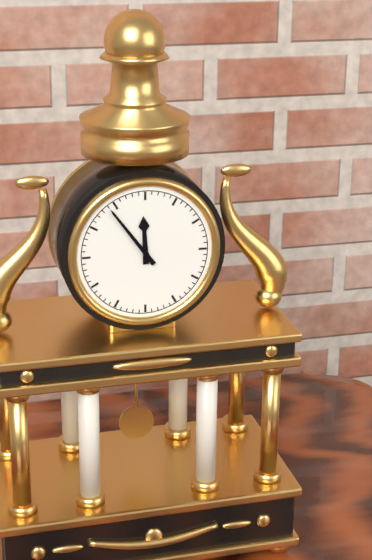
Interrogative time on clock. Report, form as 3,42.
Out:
11,54
